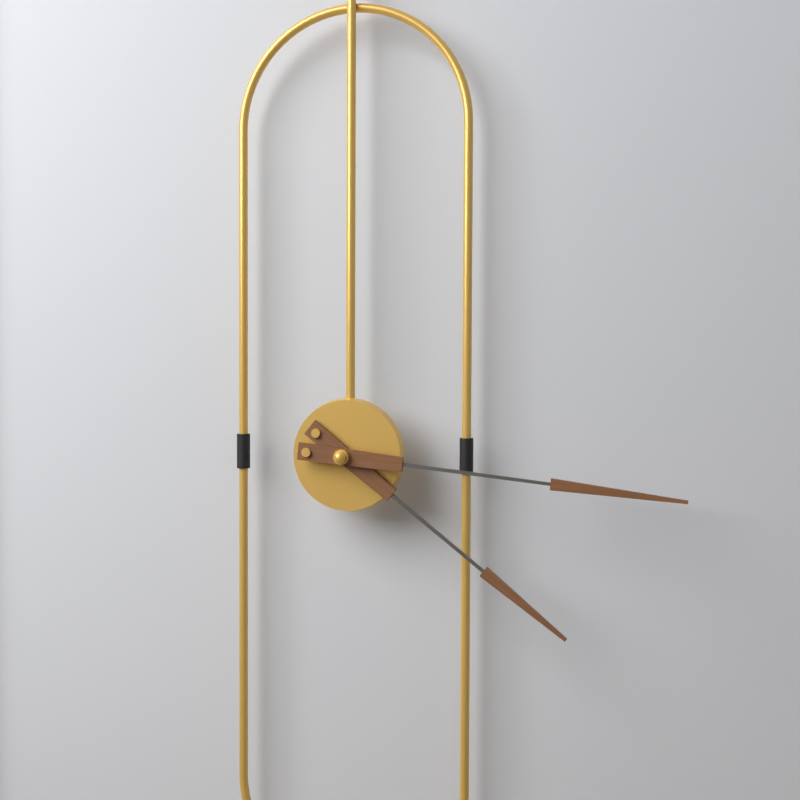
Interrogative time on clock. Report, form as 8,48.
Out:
4,16
